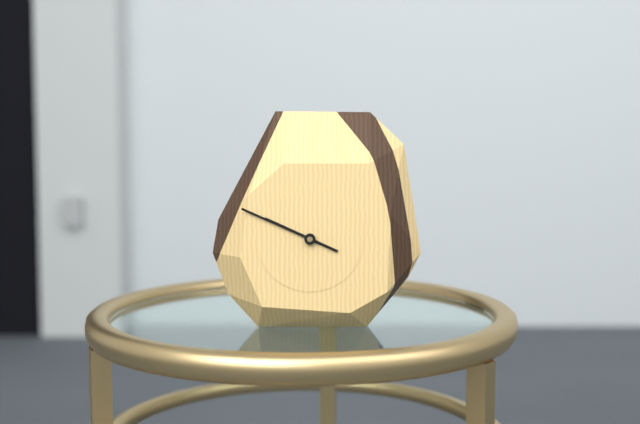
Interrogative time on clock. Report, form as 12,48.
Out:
9,49
